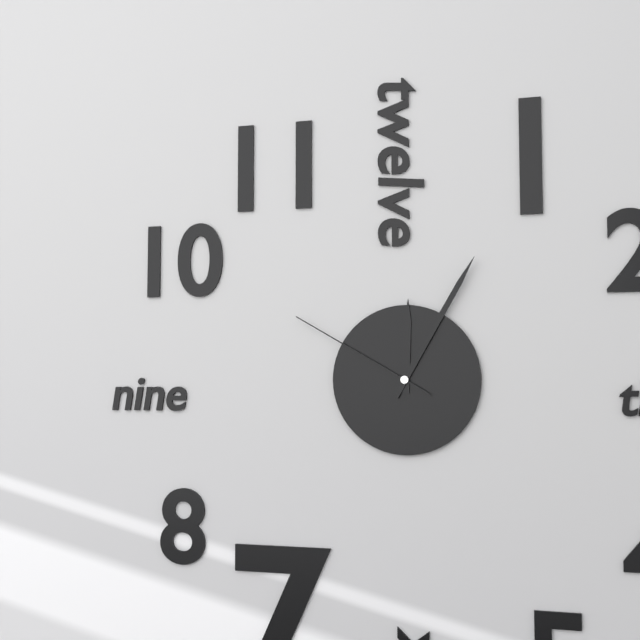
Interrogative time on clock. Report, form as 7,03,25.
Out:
12,05,50
